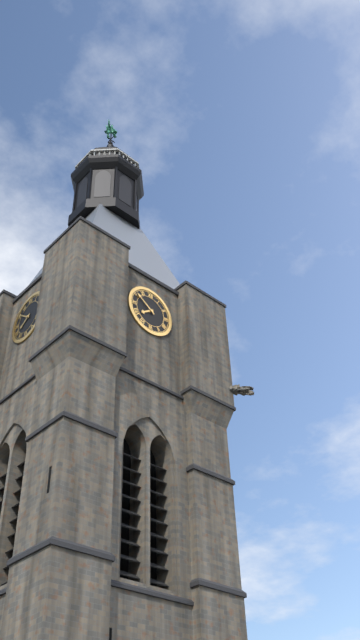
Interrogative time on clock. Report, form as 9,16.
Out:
7,51
